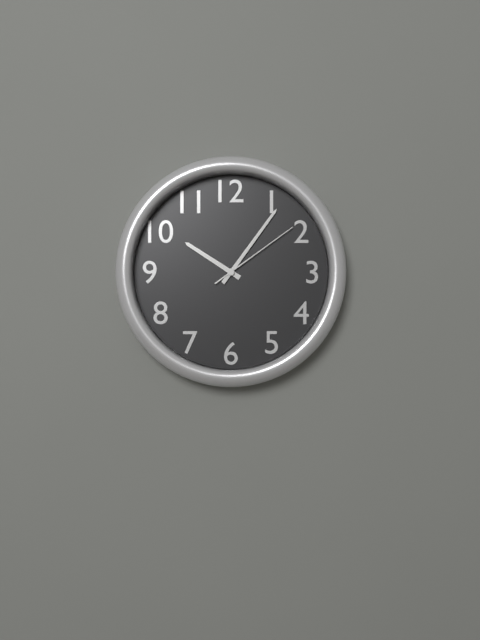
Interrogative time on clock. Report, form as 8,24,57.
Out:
10,06,09
